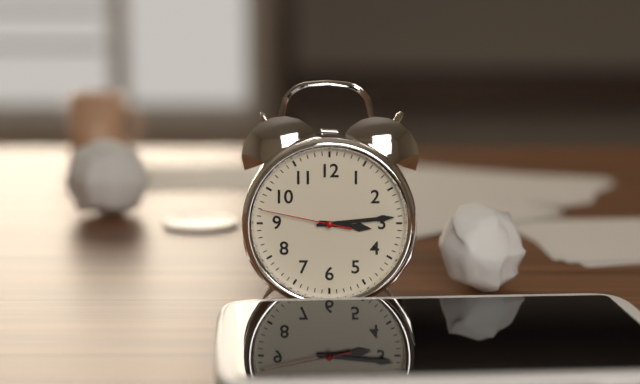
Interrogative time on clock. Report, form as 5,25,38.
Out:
3,14,47
